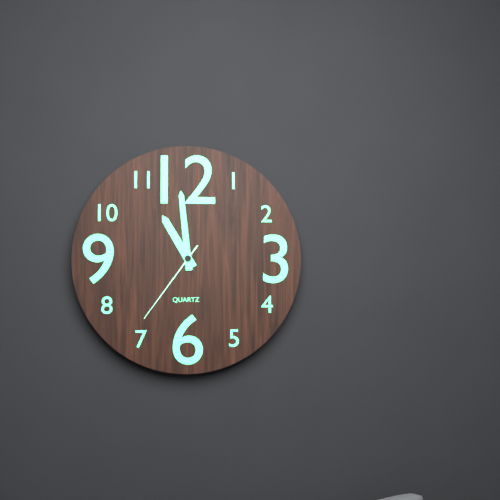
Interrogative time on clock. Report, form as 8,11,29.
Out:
10,59,36
